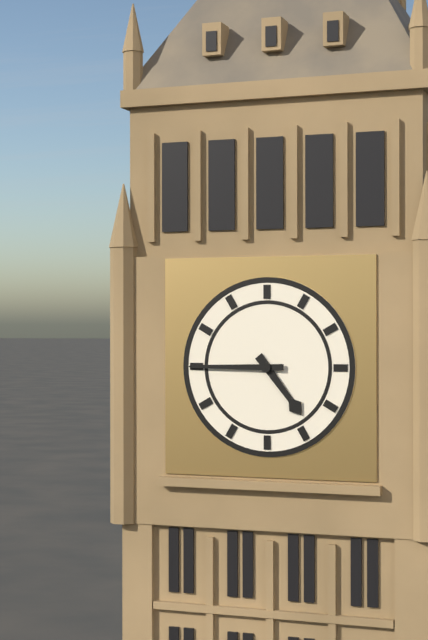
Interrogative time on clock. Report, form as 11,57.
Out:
4,45
